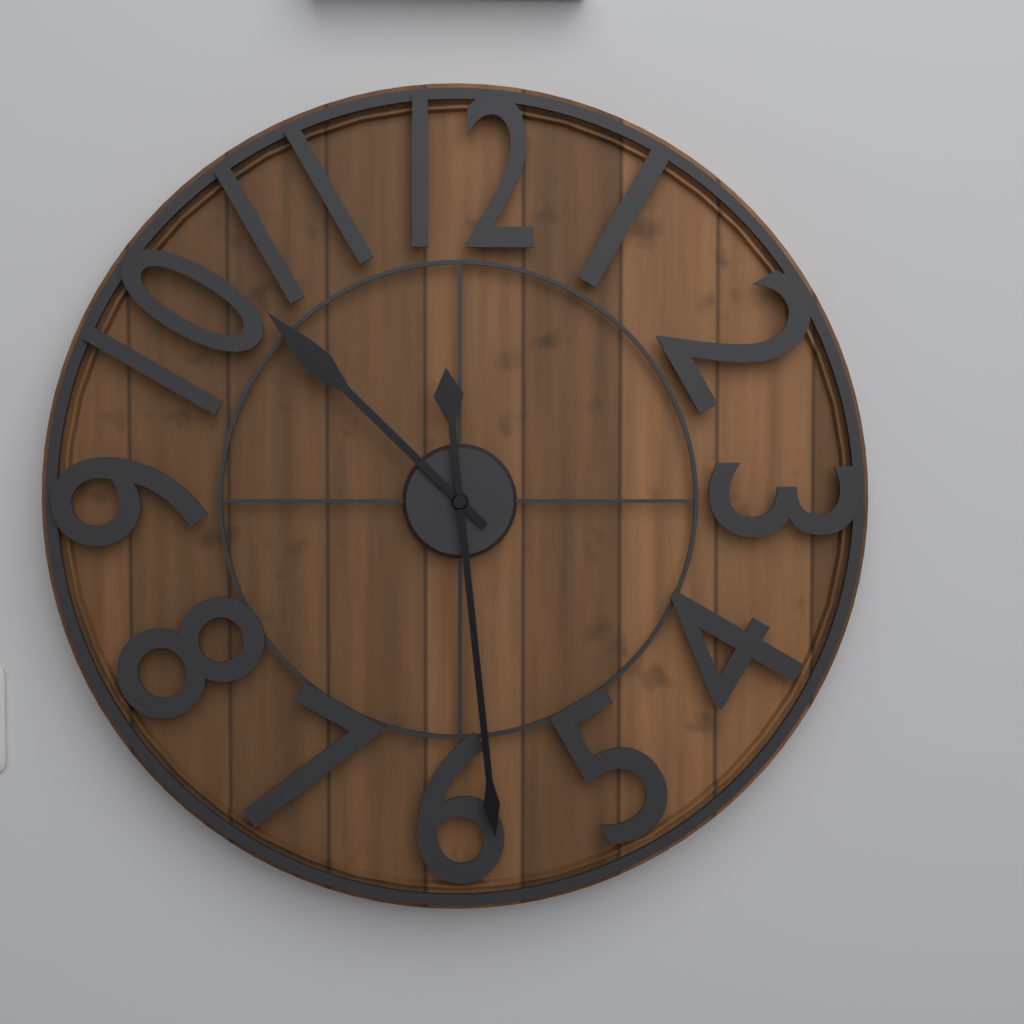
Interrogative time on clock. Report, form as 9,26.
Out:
10,29
